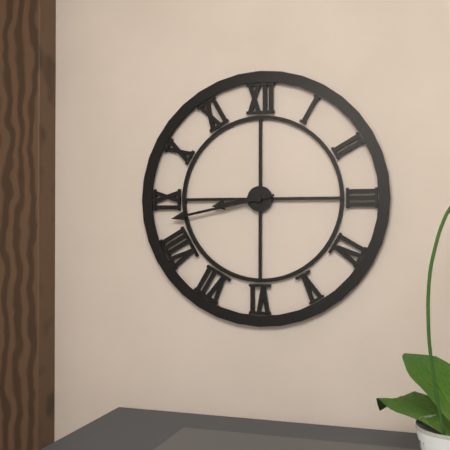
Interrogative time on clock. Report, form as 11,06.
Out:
8,43
